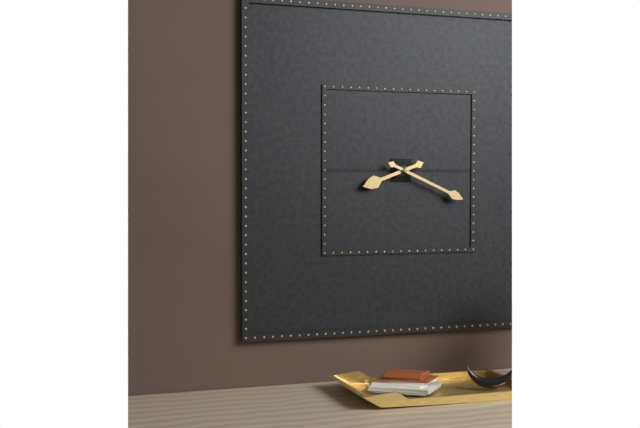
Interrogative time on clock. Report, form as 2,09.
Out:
8,19
